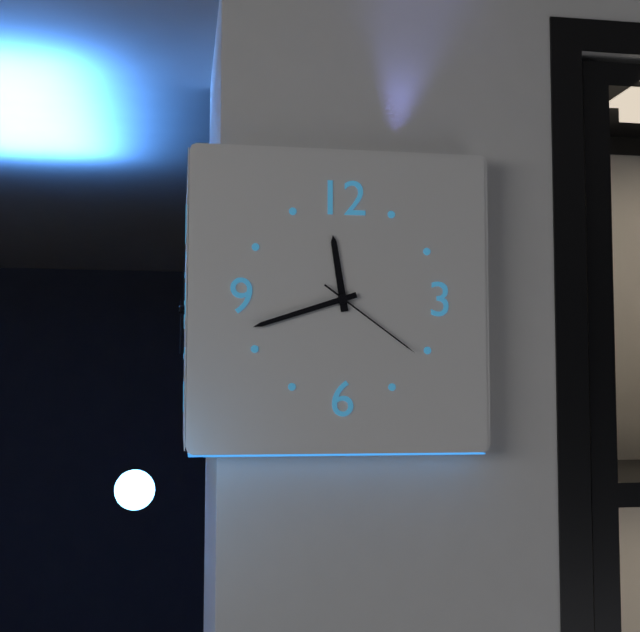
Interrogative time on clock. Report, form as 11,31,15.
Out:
11,42,21
